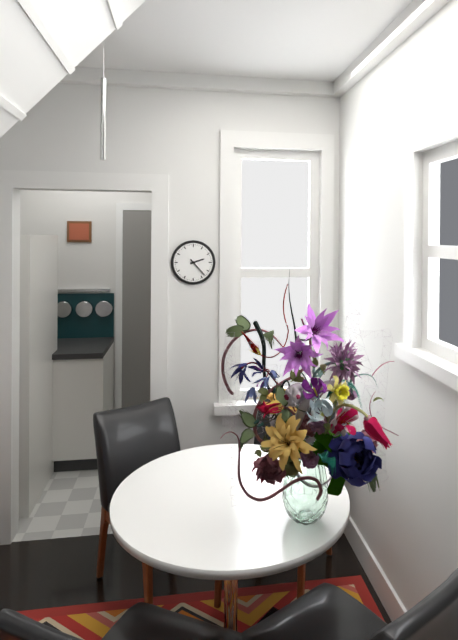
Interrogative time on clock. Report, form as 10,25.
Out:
2,23
